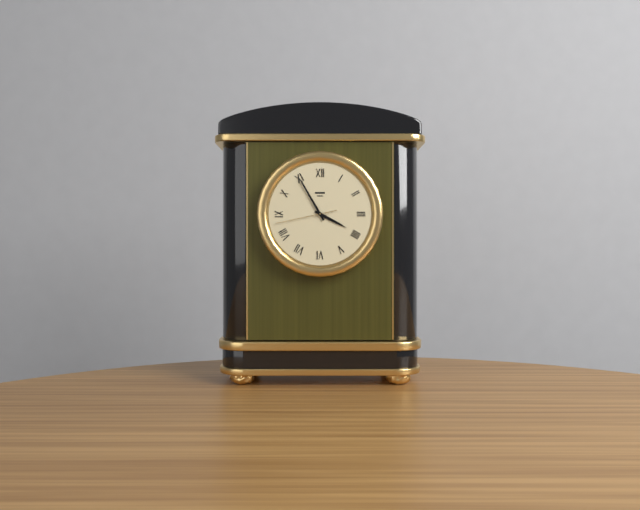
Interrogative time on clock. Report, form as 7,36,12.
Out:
3,55,43
